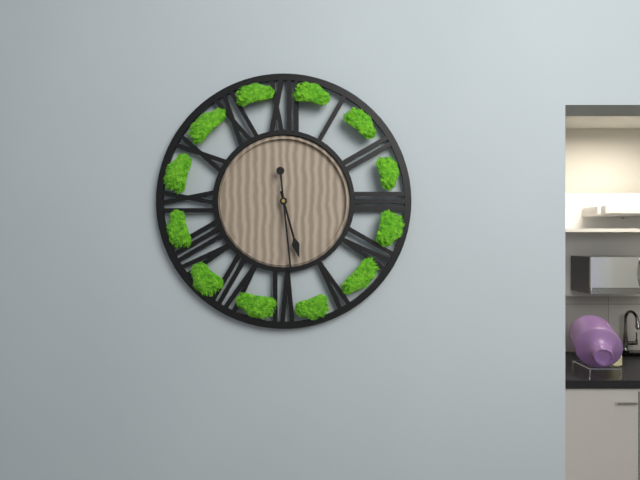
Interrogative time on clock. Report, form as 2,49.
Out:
5,29
